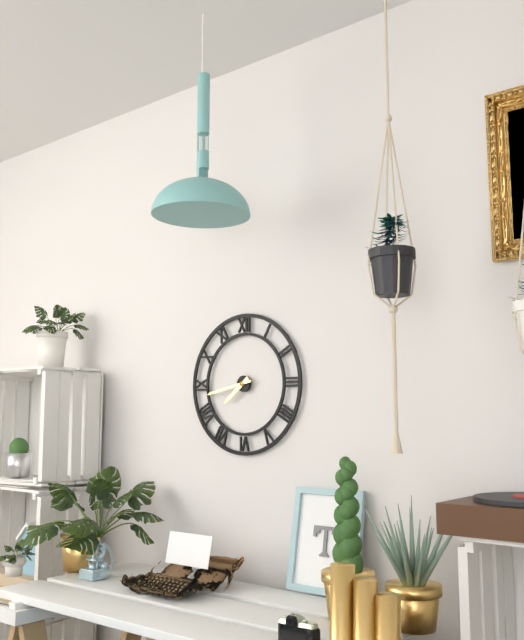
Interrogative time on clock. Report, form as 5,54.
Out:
7,43
